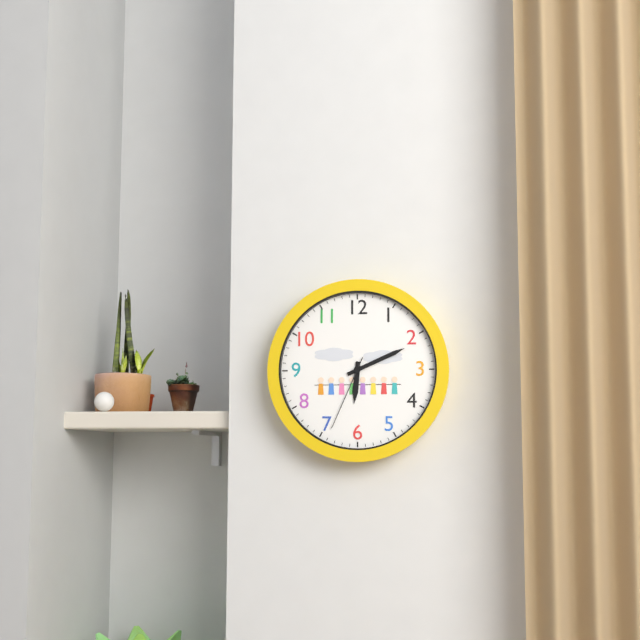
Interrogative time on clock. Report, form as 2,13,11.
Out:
6,11,34
